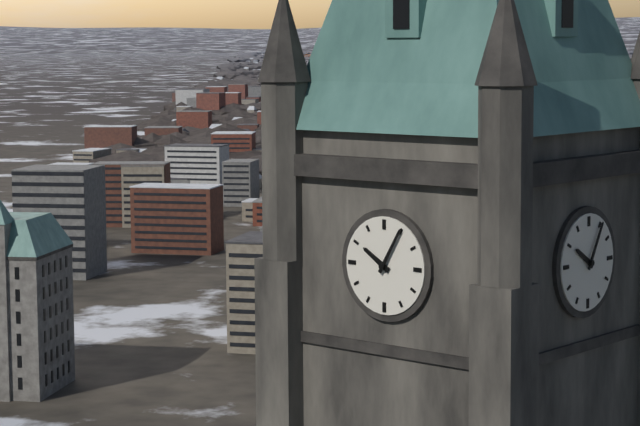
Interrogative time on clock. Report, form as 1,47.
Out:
10,05
